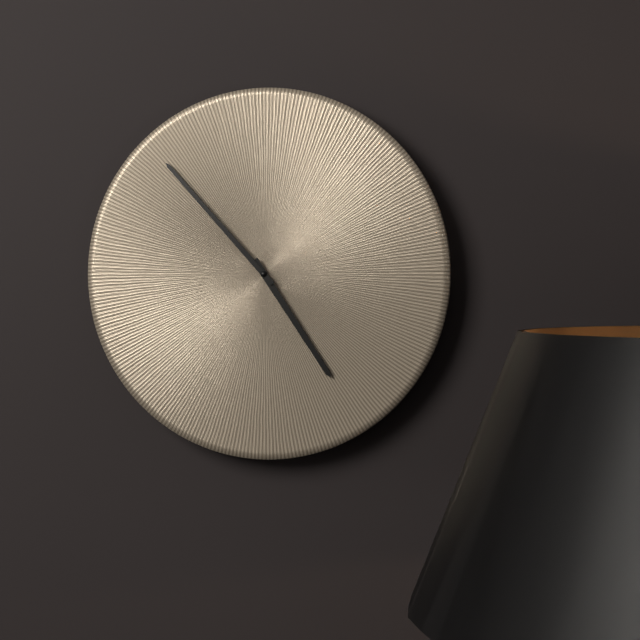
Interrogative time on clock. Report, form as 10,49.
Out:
4,53
